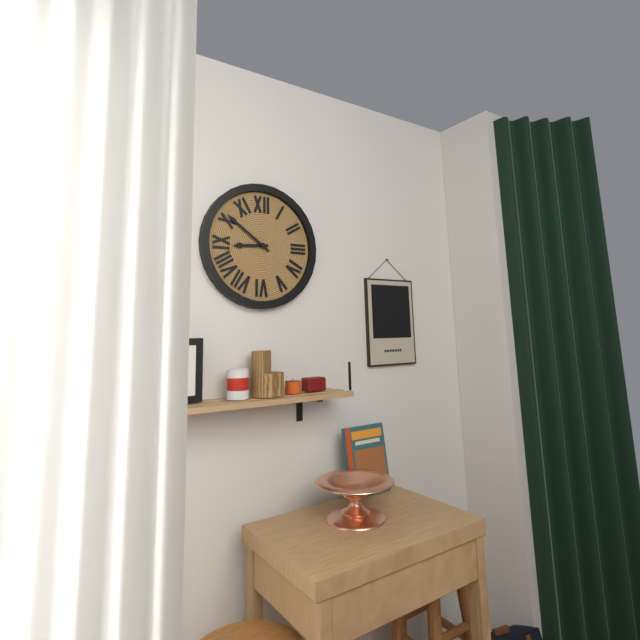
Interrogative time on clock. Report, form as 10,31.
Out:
8,51
